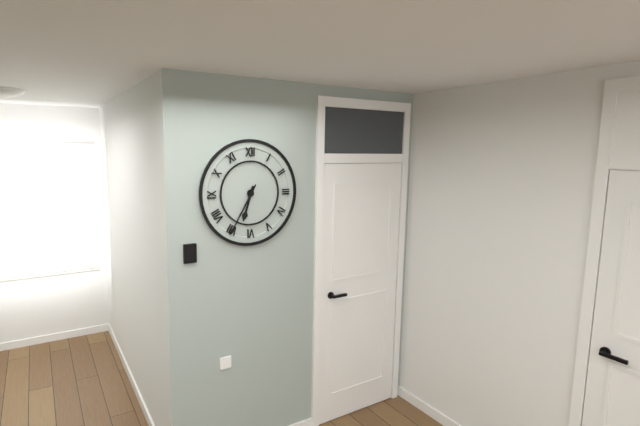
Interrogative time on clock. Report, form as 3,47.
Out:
6,35
